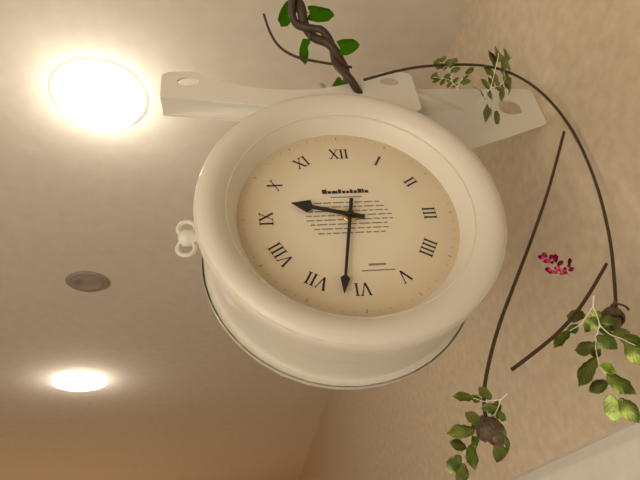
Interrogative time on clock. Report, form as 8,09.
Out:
9,32
